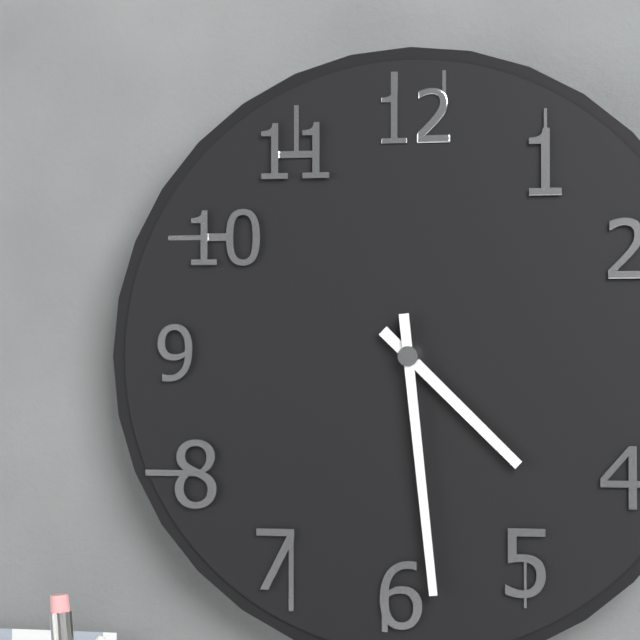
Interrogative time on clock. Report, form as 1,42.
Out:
4,29
